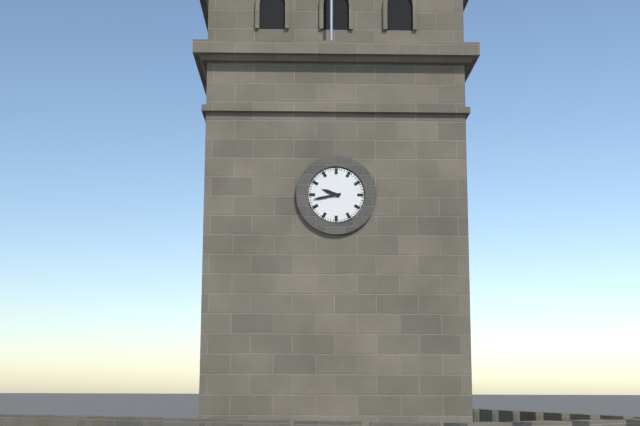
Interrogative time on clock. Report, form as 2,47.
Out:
9,43
